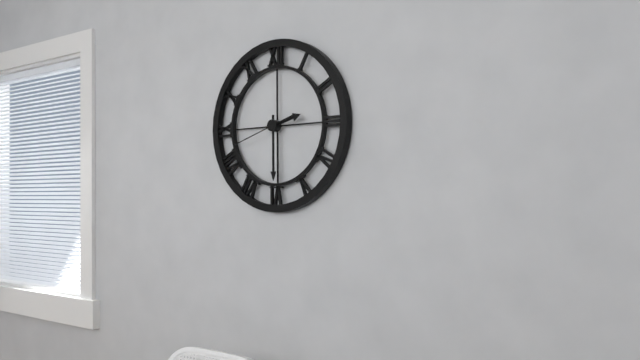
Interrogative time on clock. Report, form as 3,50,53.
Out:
2,30,42
